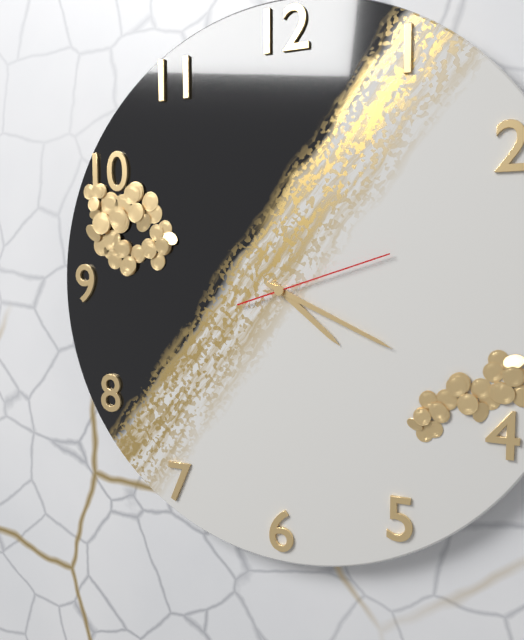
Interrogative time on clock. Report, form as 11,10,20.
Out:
4,19,12
